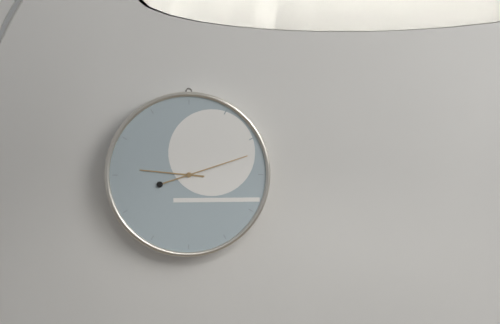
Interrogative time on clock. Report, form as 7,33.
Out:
9,12
